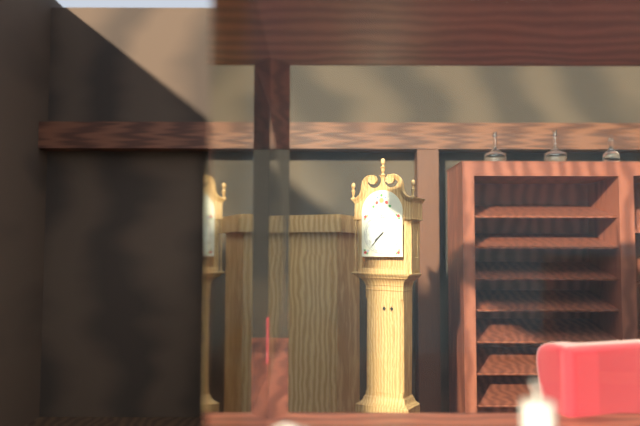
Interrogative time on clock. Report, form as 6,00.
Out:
7,37
